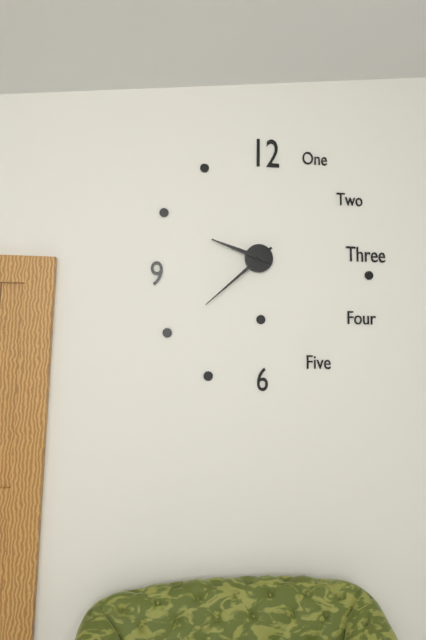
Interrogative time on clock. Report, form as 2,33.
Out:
9,38
